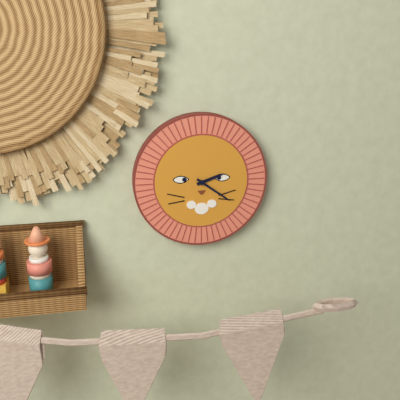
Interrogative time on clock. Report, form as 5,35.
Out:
2,21
